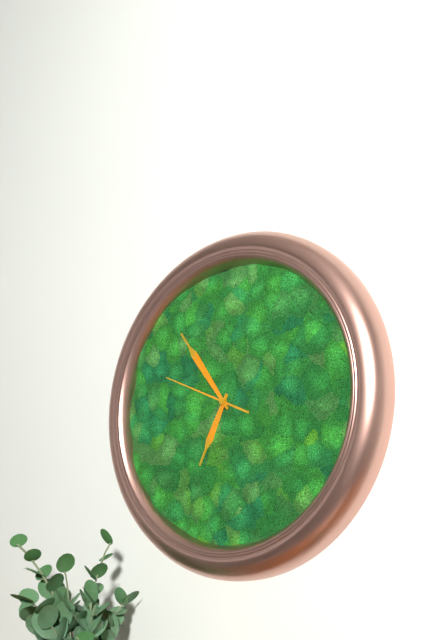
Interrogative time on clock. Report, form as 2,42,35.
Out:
6,54,49
